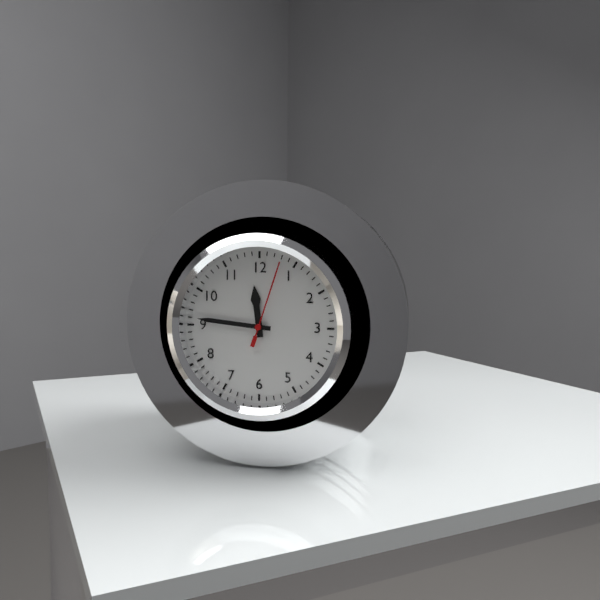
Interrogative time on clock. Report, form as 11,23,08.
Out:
11,46,03
